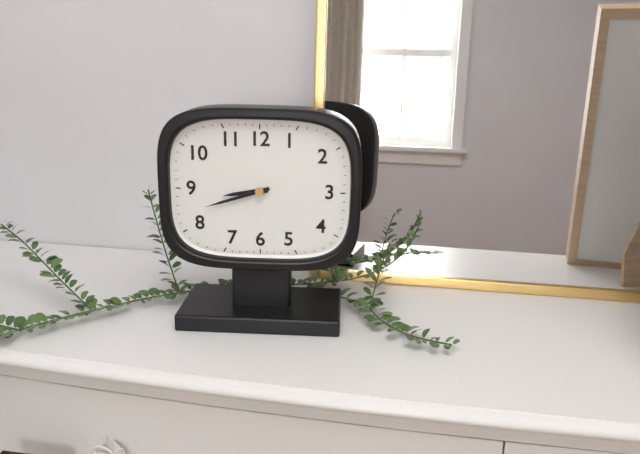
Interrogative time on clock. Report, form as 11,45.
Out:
8,42
